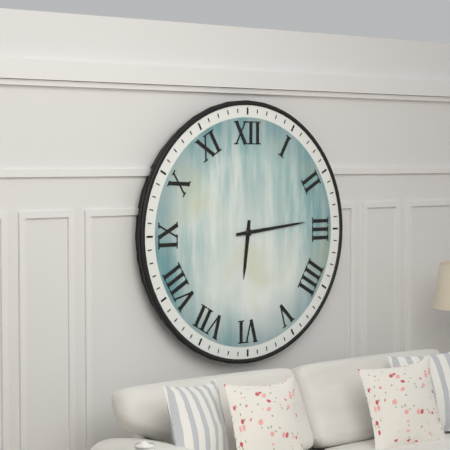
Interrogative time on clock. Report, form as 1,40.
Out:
6,14
